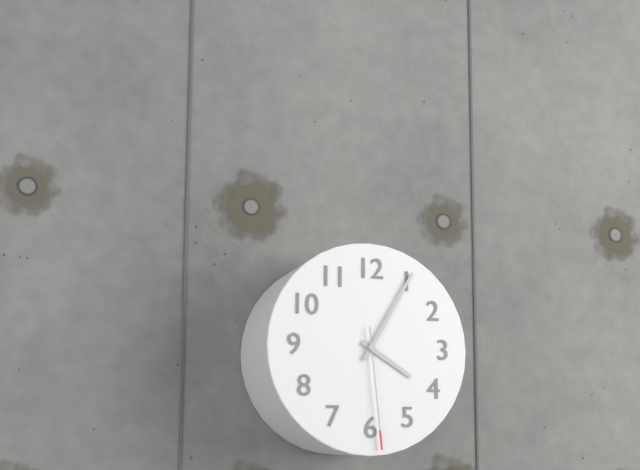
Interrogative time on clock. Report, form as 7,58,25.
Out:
4,05,29
